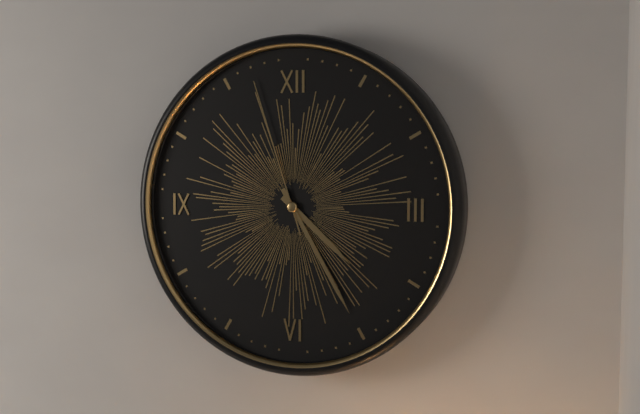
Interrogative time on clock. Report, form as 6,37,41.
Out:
4,25,57
